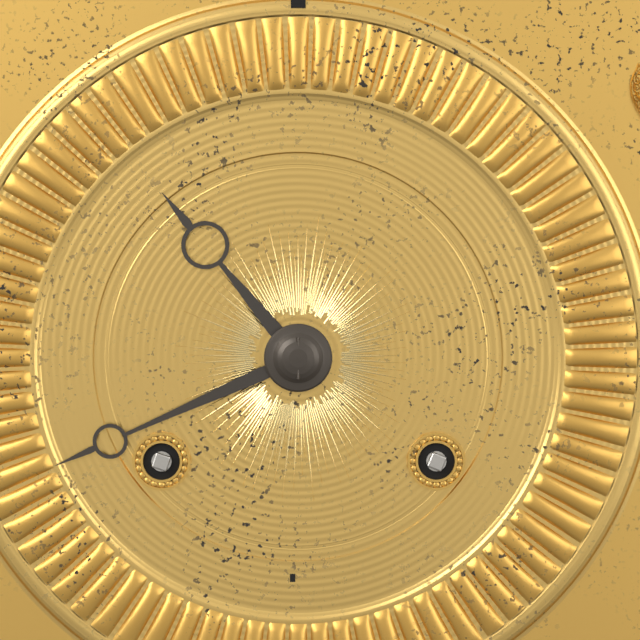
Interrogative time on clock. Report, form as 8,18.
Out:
10,41
